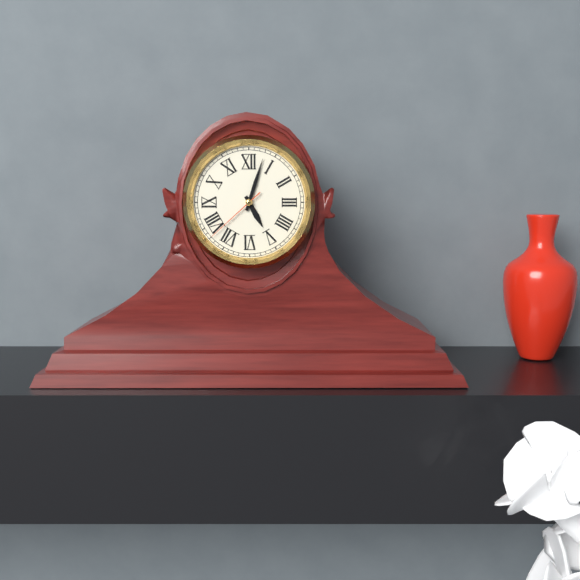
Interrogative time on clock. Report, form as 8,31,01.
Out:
5,03,38
